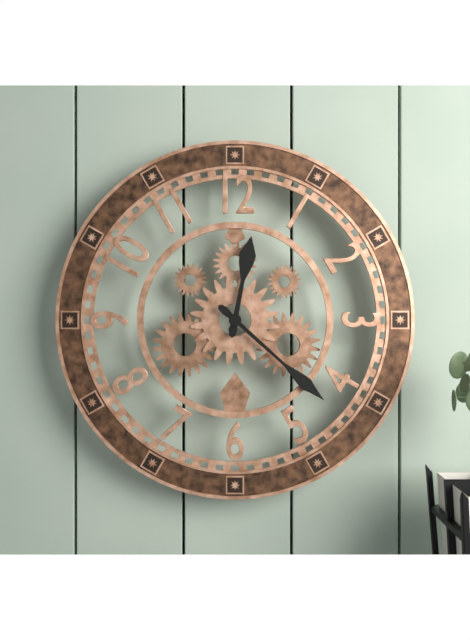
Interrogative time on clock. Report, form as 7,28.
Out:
12,22
